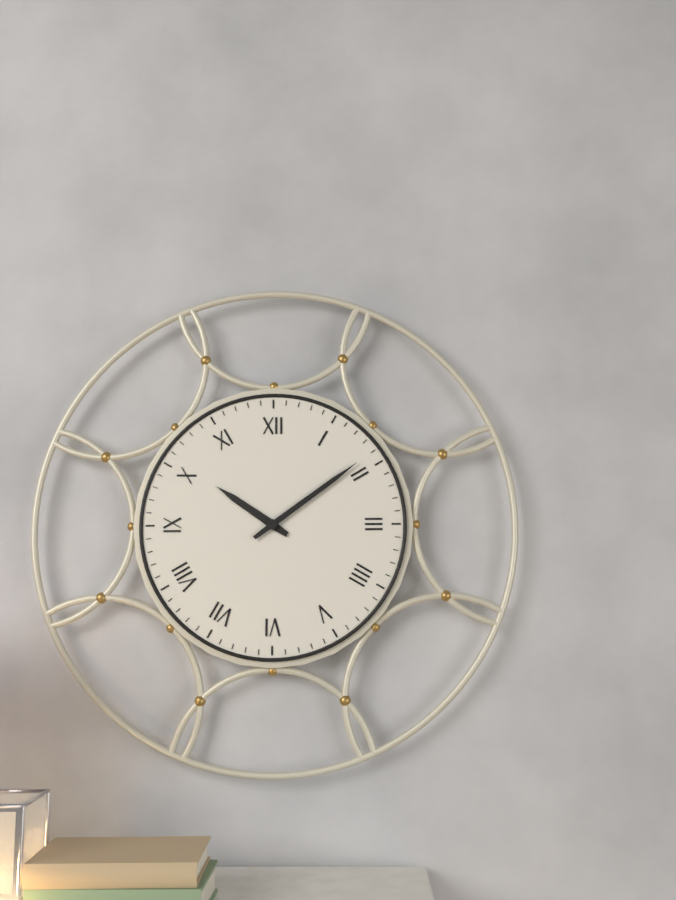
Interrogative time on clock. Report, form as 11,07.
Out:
10,09
